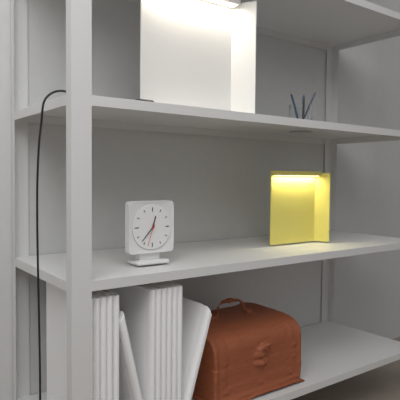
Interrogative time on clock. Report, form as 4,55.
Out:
12,37
